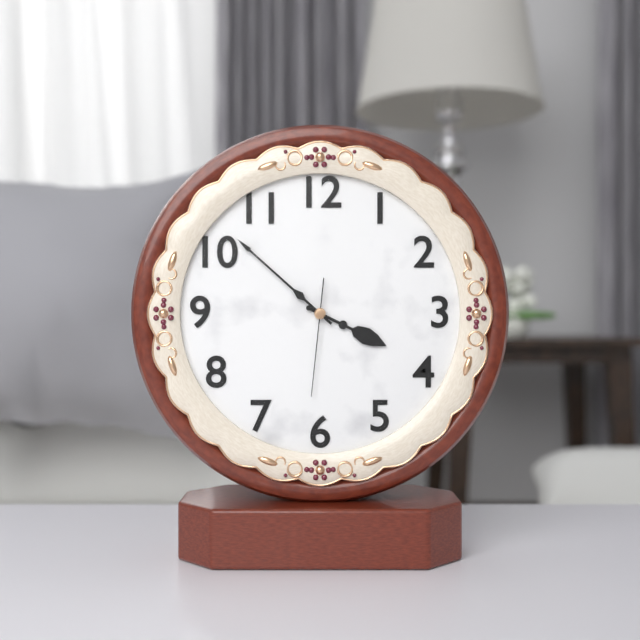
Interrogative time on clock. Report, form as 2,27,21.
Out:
3,52,31
